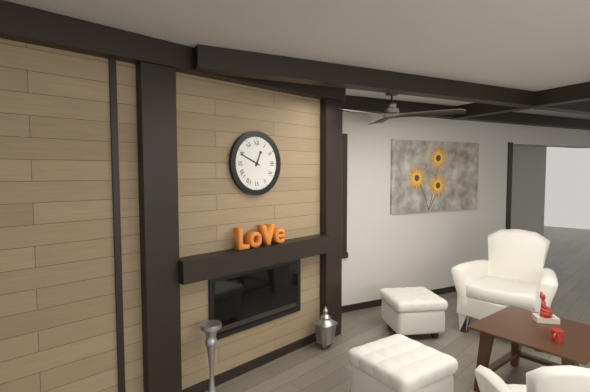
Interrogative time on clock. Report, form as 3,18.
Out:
12,49
